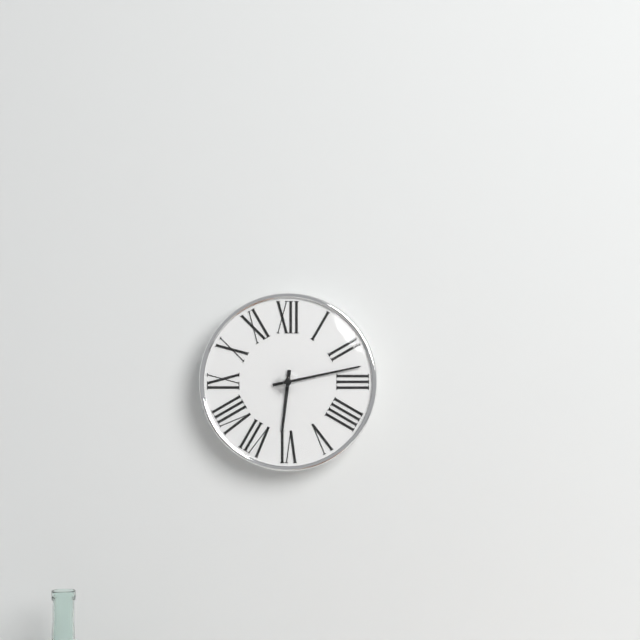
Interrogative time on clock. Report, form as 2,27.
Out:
6,13
